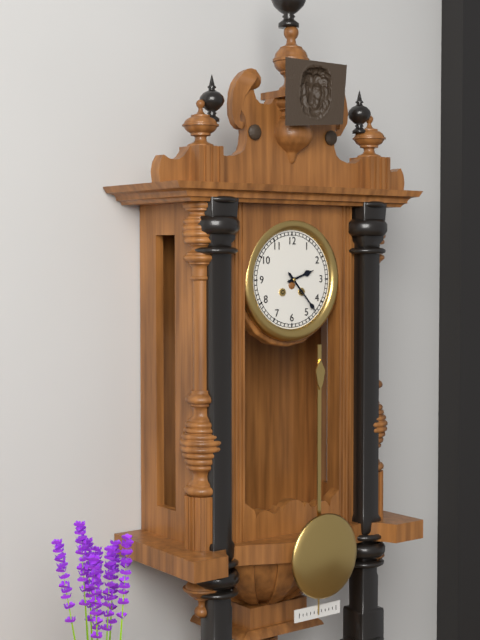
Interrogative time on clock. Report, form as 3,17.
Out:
2,23
